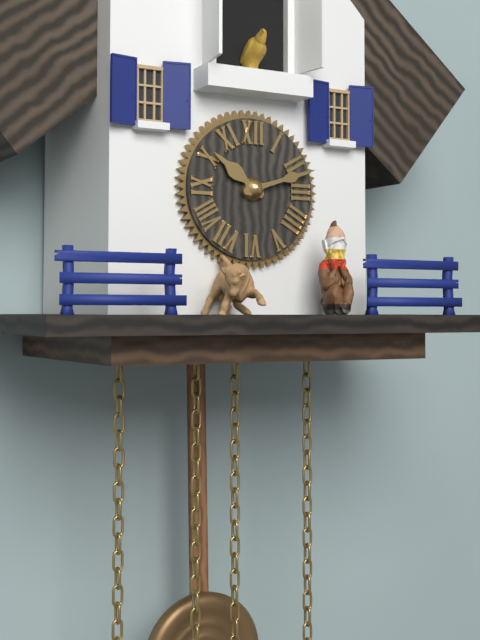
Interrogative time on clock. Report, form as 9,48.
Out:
10,12
